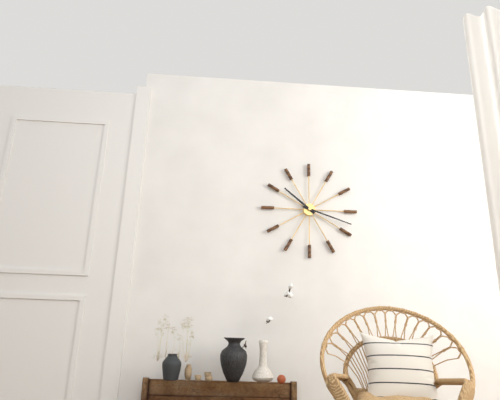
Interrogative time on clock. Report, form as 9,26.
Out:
10,18
